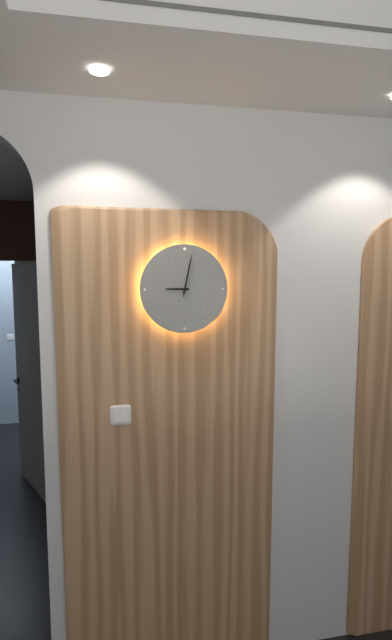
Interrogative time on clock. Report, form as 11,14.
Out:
9,02
